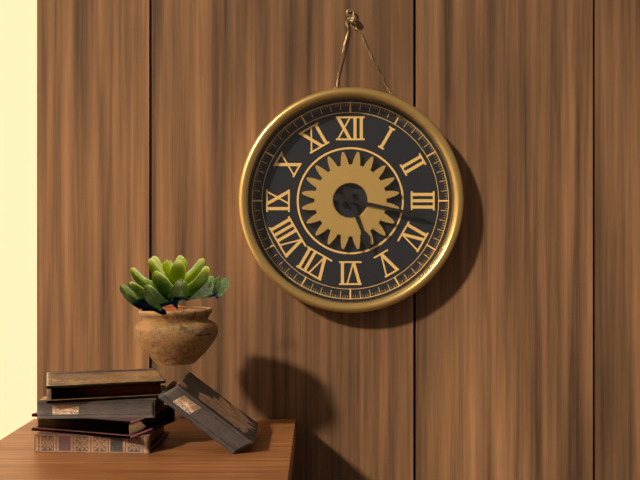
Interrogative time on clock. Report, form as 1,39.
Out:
5,17
